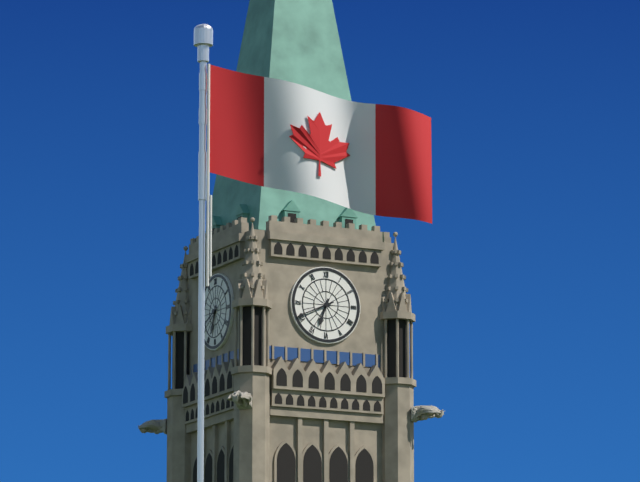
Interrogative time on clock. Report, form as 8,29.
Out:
6,41
